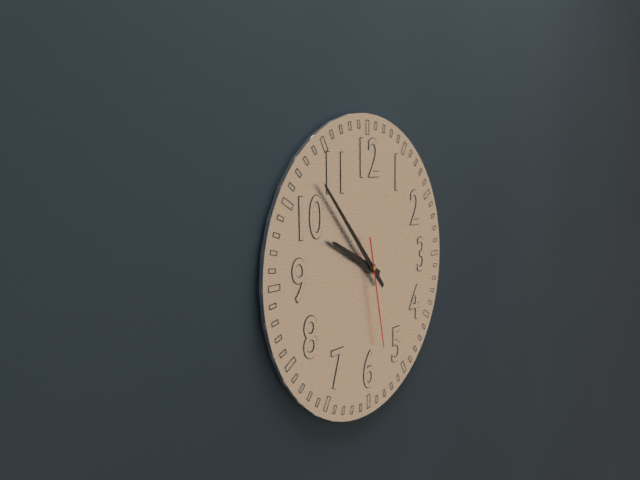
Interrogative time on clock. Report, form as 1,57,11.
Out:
9,53,28
